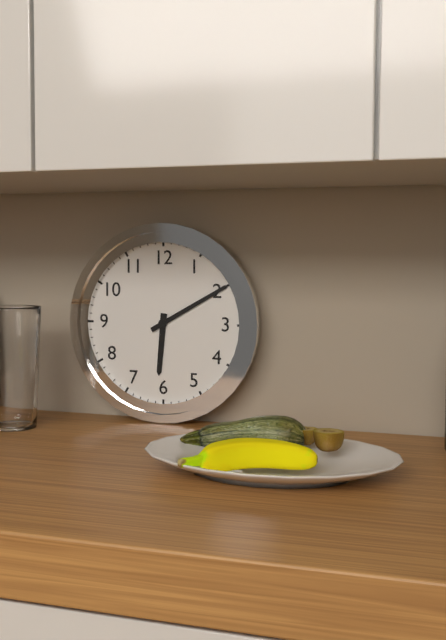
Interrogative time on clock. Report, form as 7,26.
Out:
6,10
